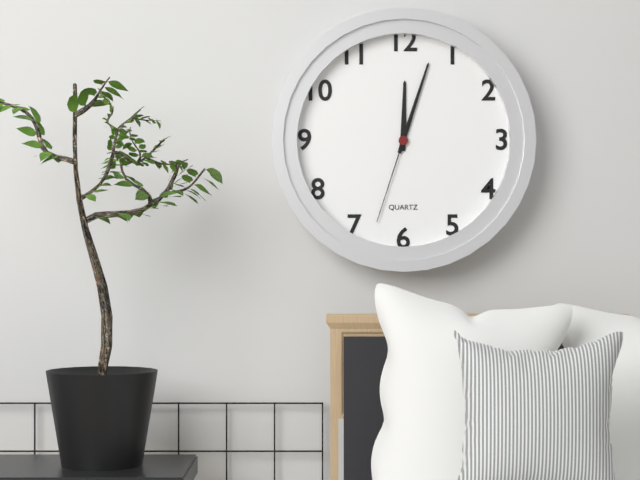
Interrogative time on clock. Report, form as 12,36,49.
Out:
12,03,33
